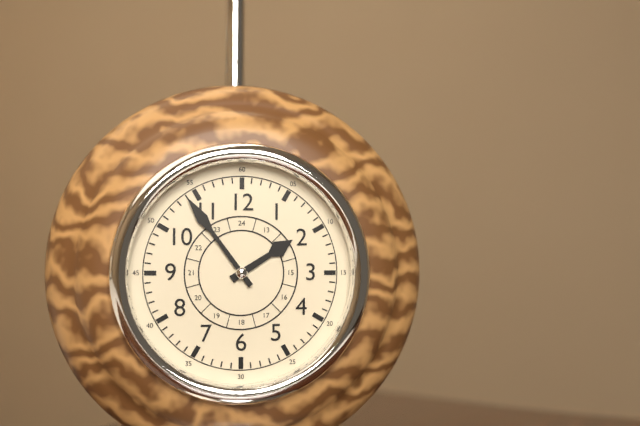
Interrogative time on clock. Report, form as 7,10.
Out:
1,54
